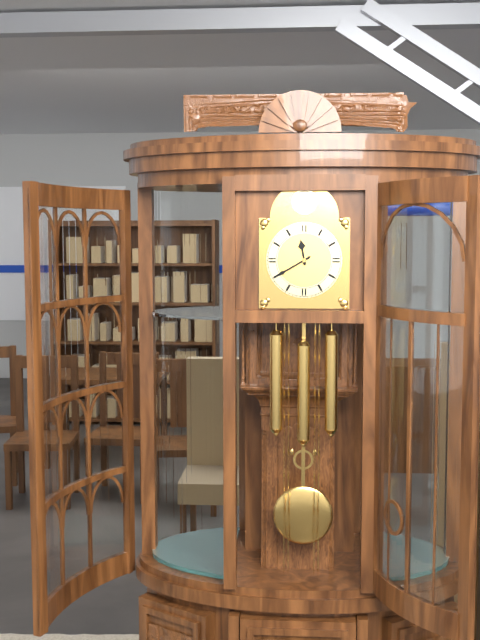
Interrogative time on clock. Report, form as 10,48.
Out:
11,40
